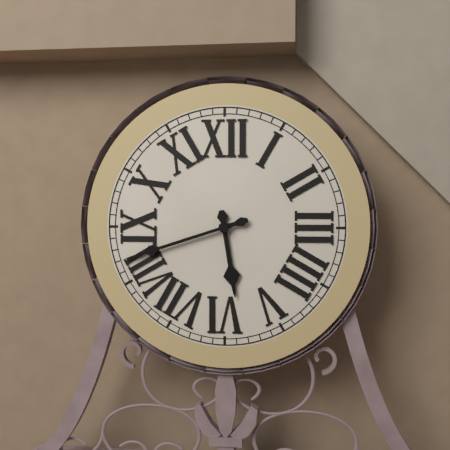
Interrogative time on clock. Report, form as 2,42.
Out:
5,42
